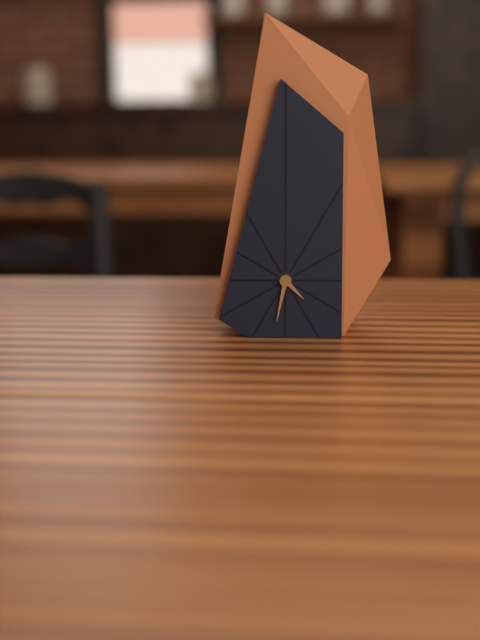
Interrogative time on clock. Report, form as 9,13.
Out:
4,32
